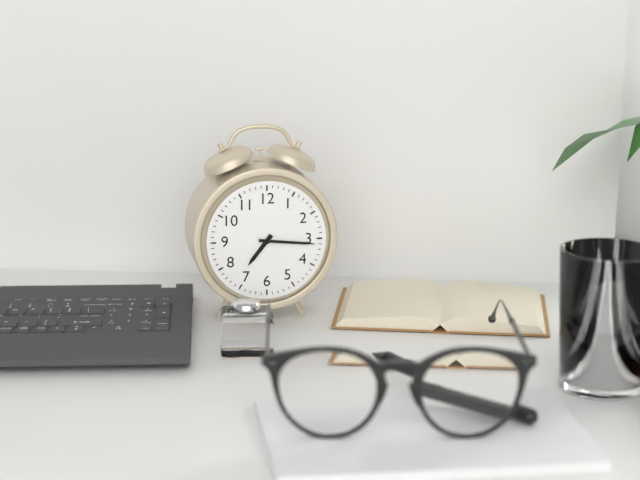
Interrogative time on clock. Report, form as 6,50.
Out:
7,16
